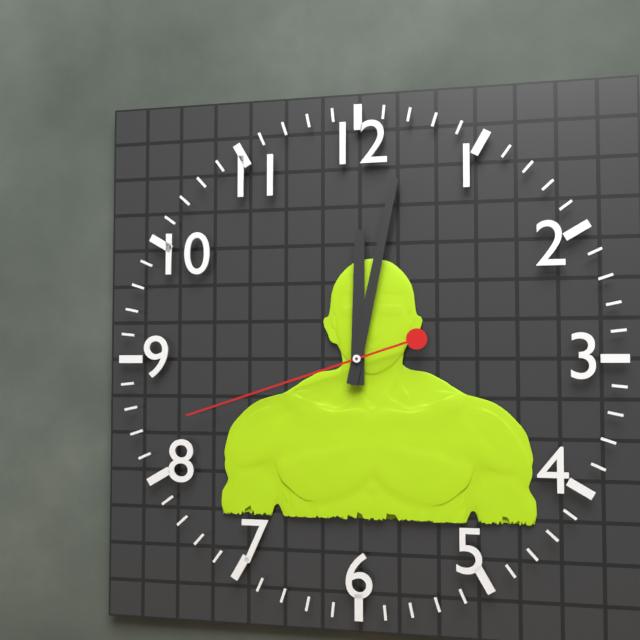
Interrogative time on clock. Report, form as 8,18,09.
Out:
12,02,42
